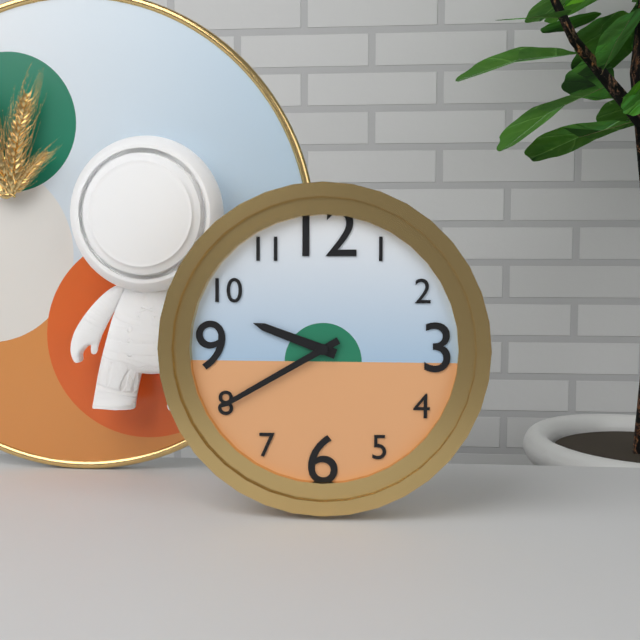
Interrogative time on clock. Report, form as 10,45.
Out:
9,40
